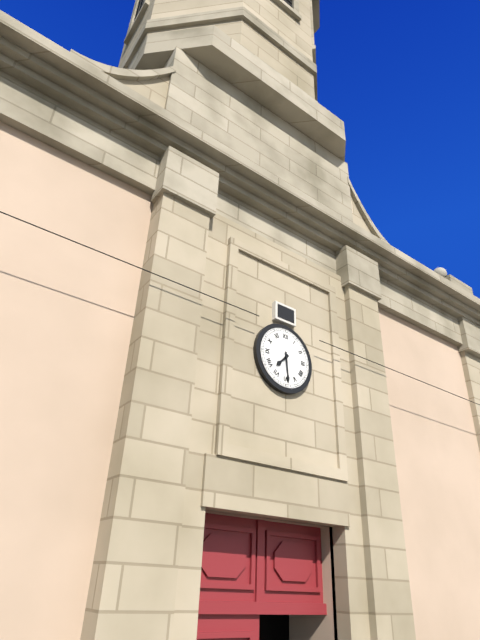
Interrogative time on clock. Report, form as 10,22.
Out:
7,29
